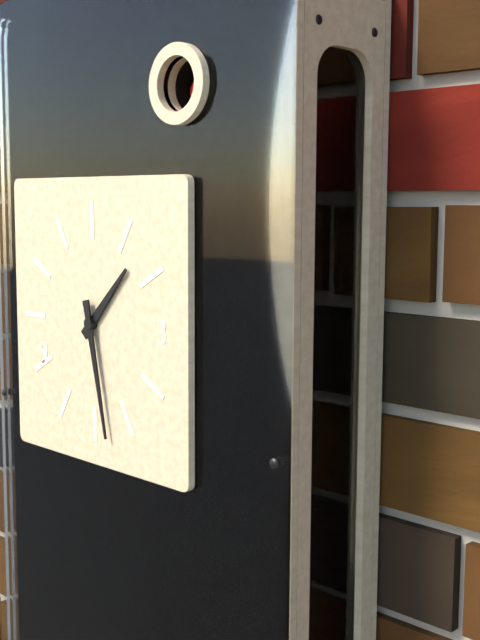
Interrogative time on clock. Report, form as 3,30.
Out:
1,28
